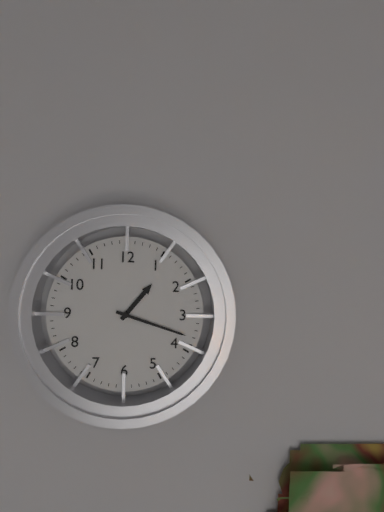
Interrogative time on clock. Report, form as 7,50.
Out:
1,18
